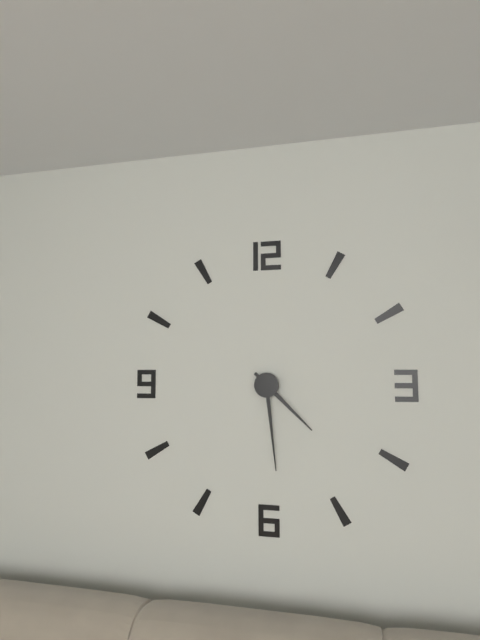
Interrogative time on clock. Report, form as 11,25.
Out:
4,29
